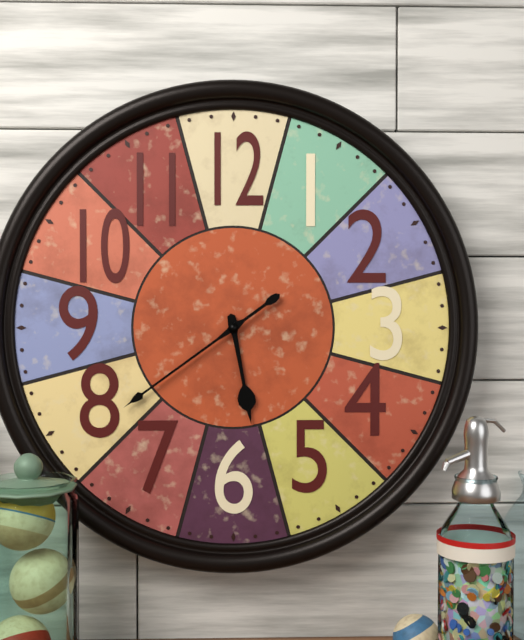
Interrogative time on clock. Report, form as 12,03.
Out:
5,39
